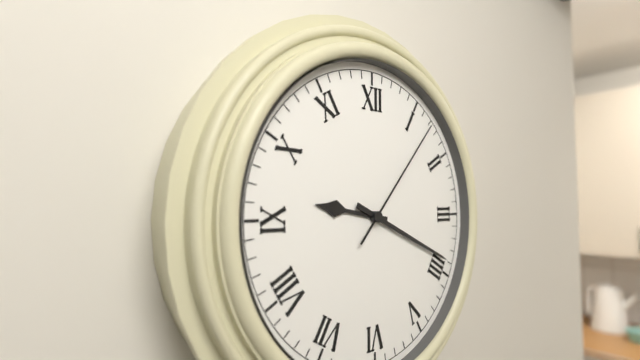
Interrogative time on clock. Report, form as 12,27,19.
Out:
9,19,07
